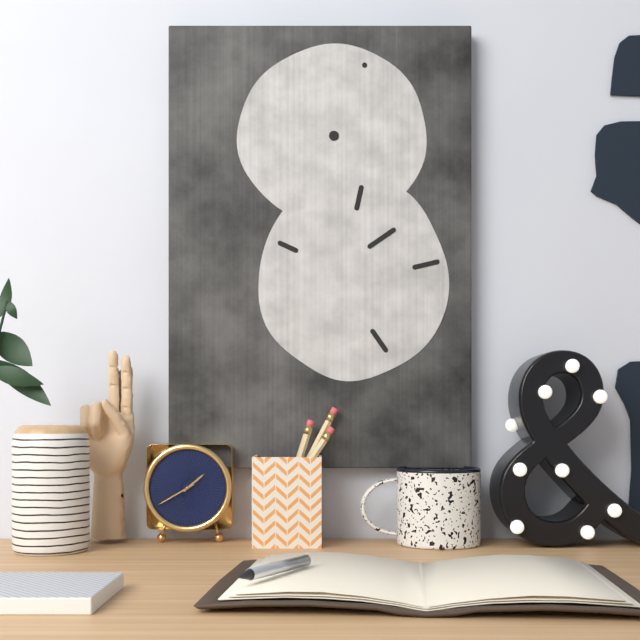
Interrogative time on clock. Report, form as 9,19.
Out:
1,40
